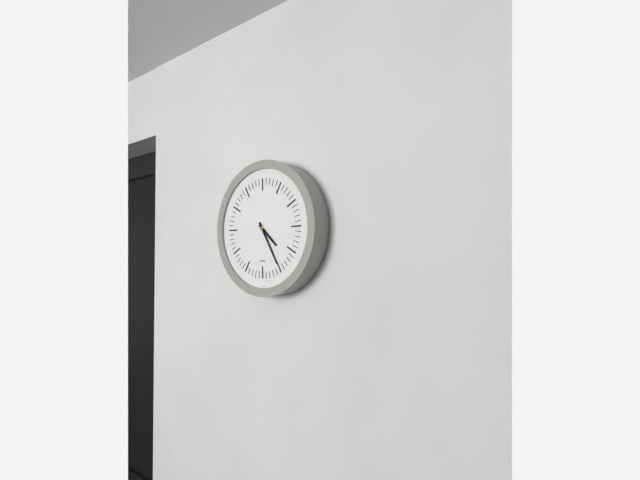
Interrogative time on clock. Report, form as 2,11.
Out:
4,25
